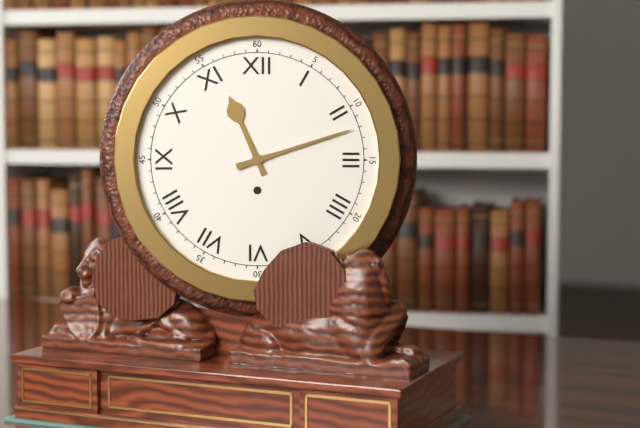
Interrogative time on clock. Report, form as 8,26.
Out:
11,12
